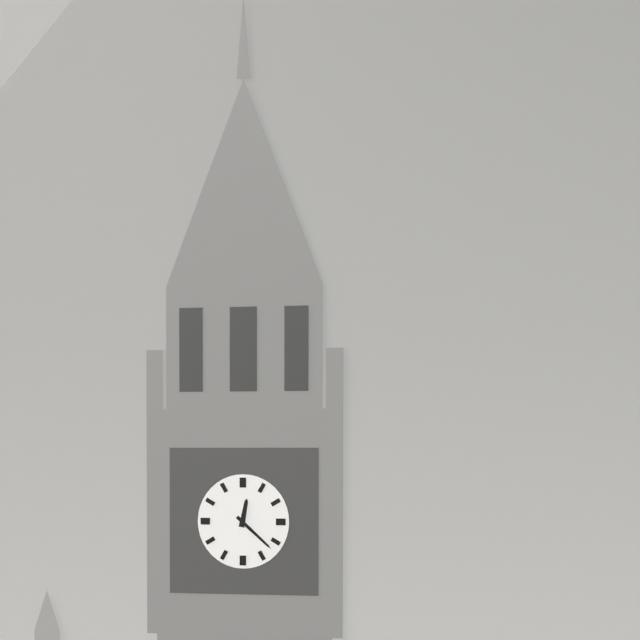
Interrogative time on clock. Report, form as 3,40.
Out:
12,22
